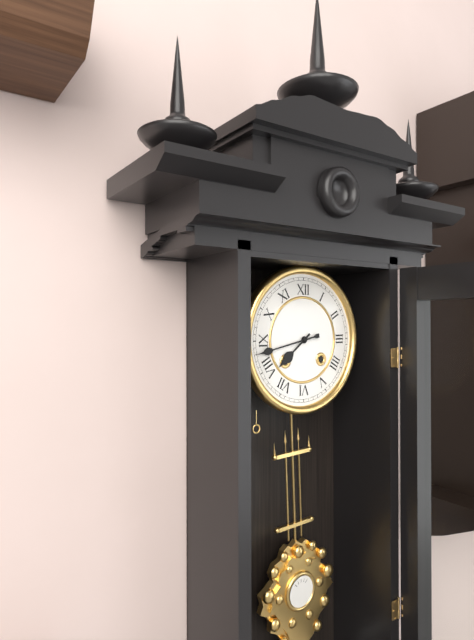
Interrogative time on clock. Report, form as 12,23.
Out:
7,43
